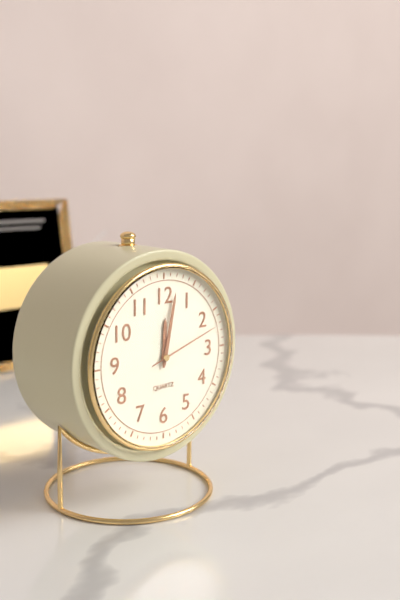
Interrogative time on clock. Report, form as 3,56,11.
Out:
12,02,12
